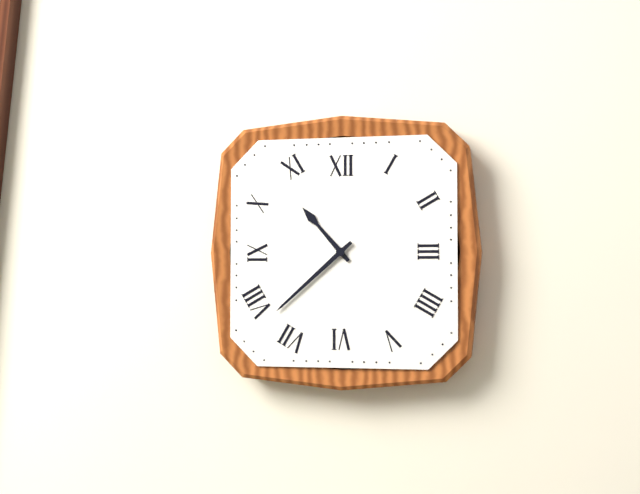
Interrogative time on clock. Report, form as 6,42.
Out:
10,38
